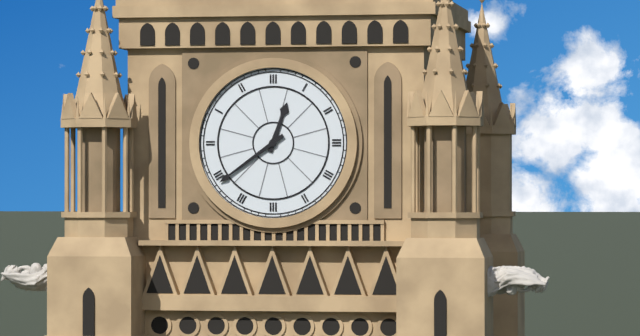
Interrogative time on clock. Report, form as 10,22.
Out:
12,39
